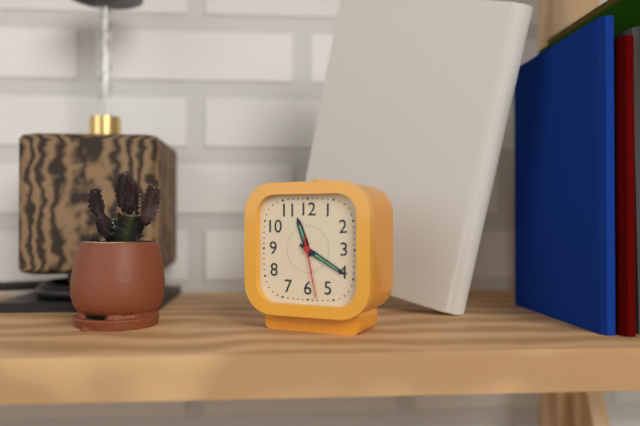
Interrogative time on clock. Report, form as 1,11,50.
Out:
11,20,28
